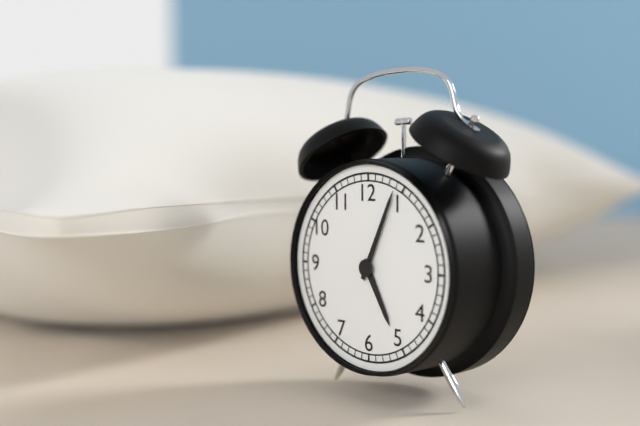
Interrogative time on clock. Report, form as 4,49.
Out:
5,04
